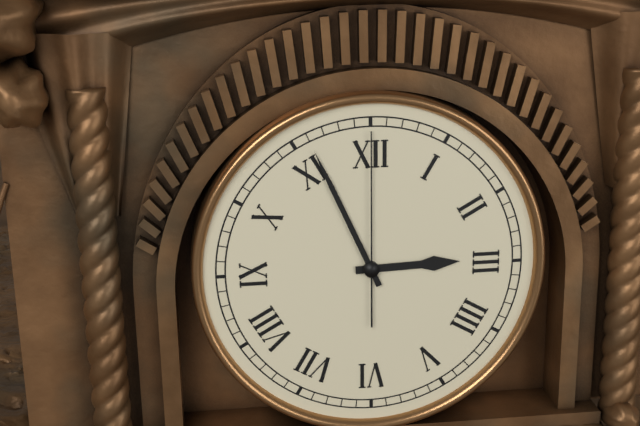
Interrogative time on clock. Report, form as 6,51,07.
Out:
2,56,00
